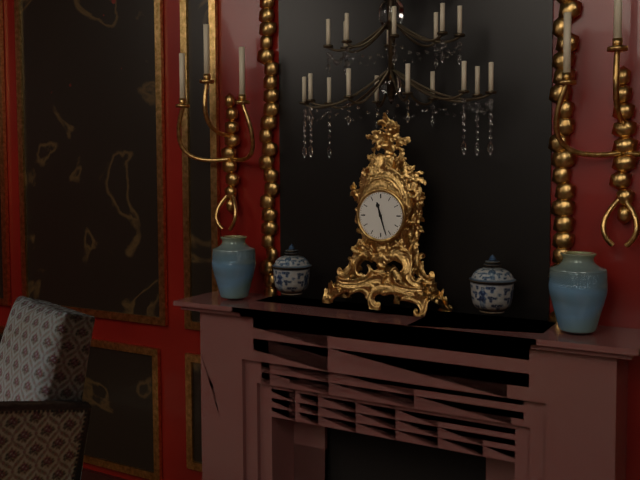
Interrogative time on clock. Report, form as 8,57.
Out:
11,27
